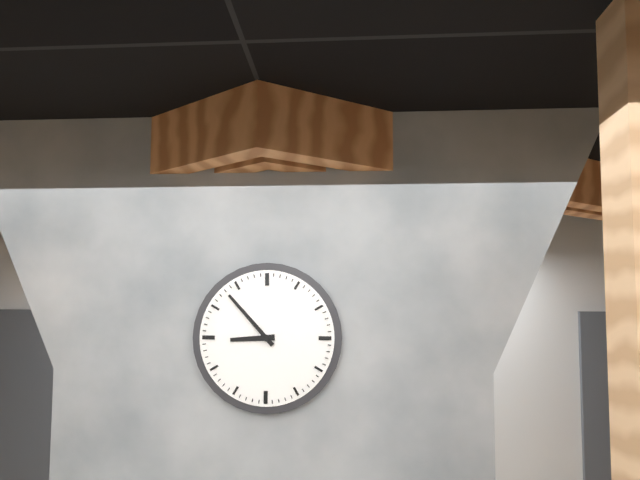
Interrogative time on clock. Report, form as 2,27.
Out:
8,53
